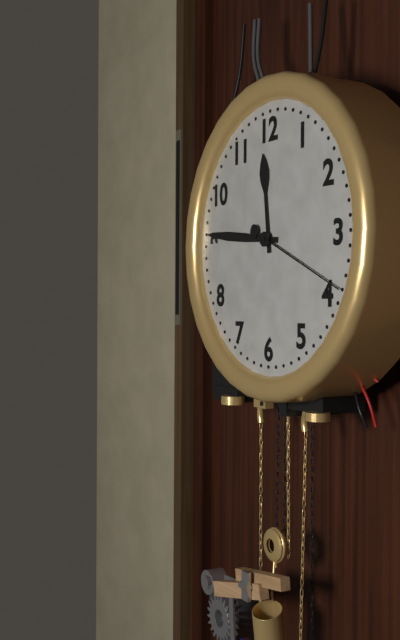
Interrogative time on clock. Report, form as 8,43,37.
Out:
11,46,19
